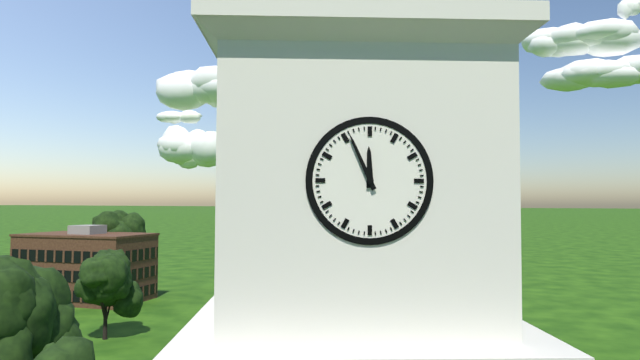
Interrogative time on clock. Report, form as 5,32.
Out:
11,56
